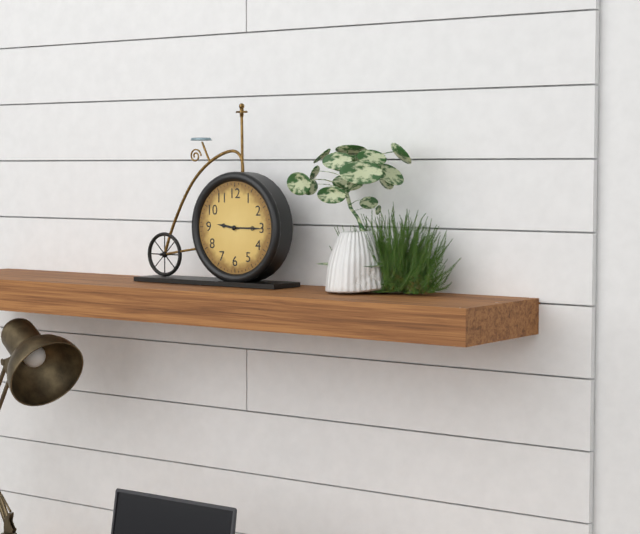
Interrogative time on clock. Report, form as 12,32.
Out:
9,15
